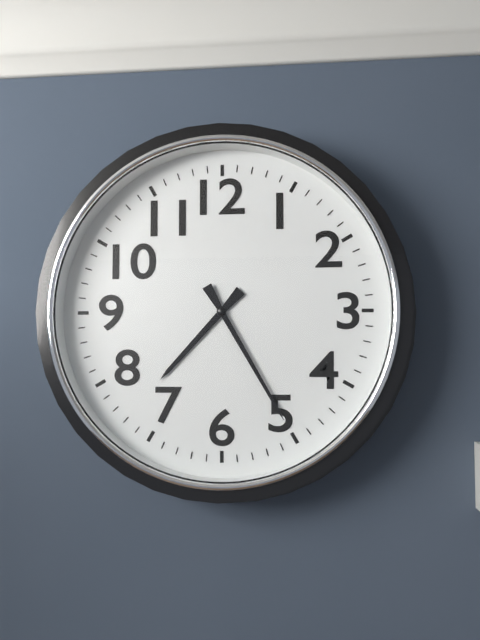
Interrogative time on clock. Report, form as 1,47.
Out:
7,25
